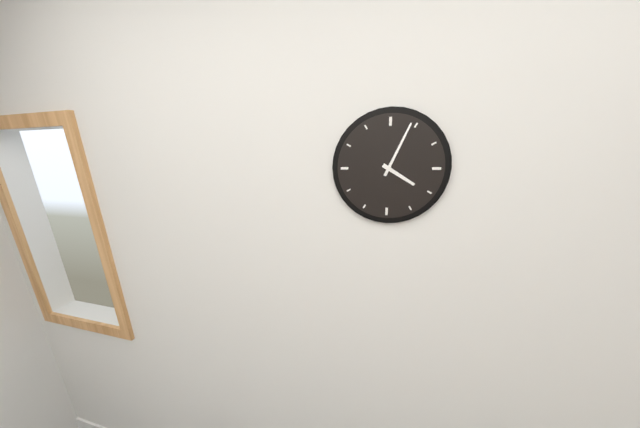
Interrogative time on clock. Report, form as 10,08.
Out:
4,04
